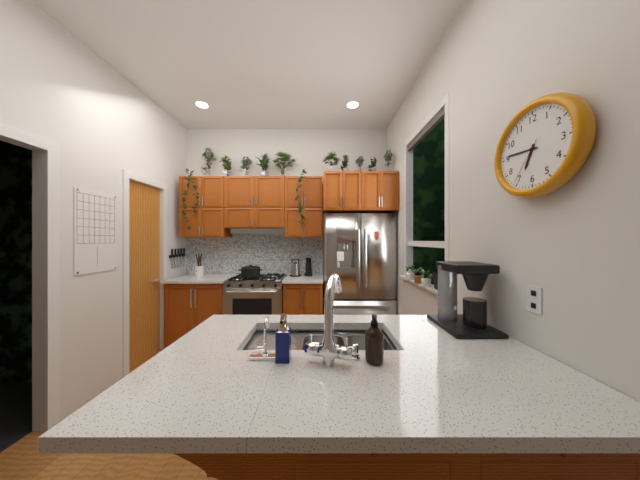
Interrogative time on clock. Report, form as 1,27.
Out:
6,46
